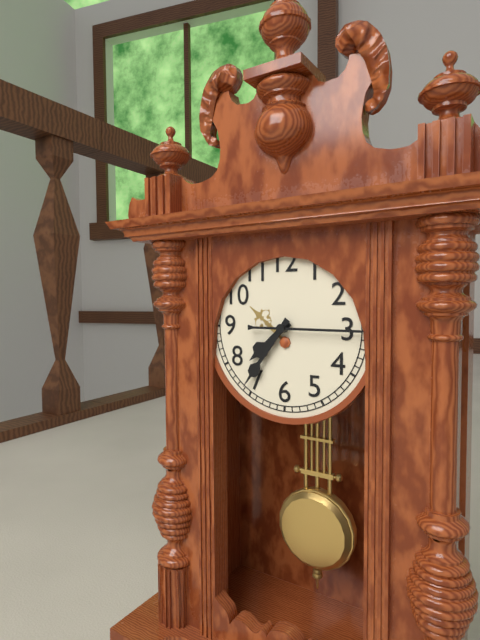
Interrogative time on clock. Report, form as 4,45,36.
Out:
7,36,15
